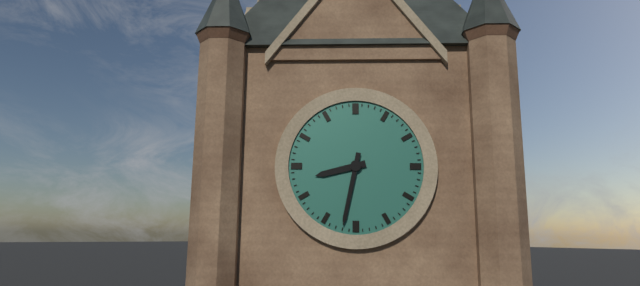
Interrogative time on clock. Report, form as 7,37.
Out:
8,32
